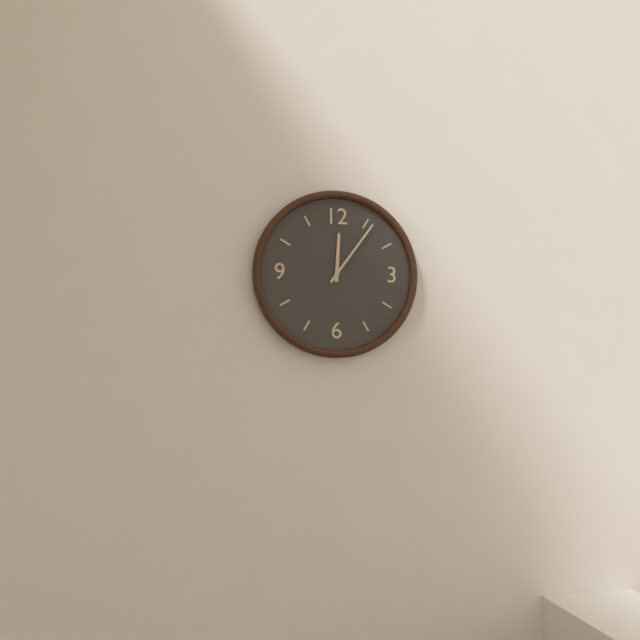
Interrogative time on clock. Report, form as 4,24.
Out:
12,06
